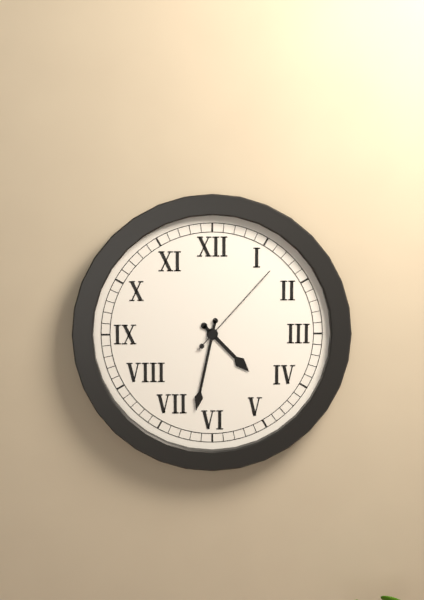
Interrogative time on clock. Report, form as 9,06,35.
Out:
4,32,07
